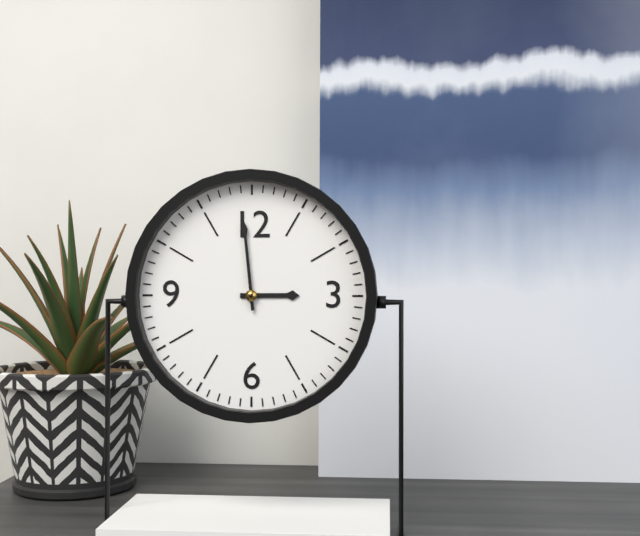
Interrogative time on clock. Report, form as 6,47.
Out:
2,59
